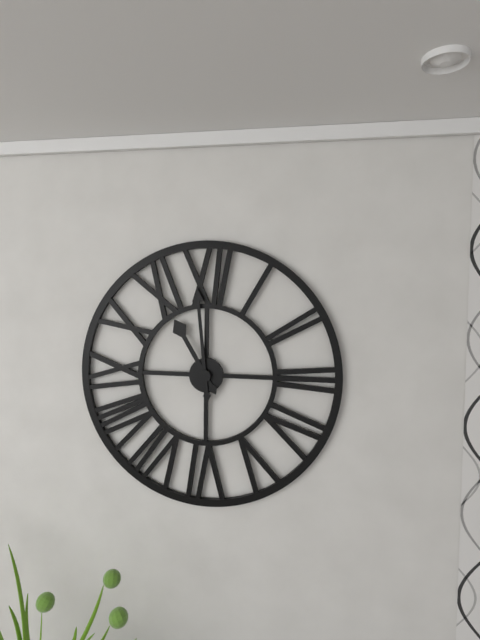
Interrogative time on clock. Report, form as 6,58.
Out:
10,59
